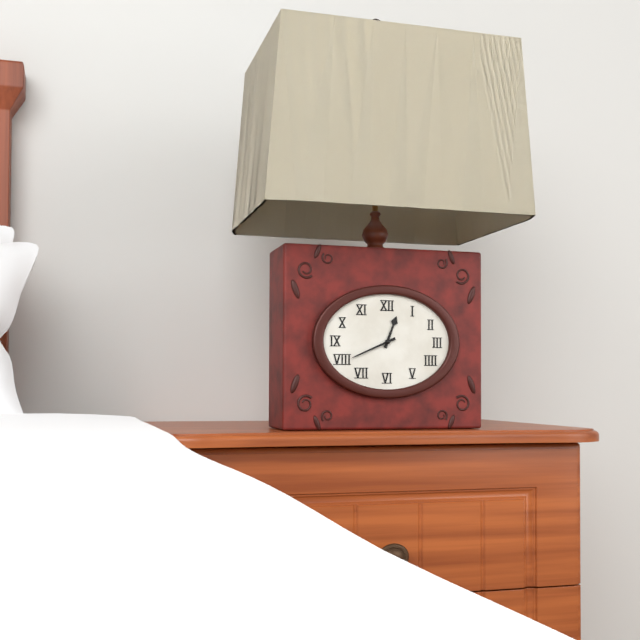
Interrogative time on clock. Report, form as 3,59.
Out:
12,41
